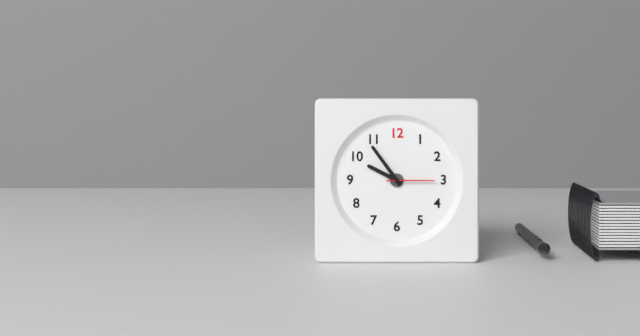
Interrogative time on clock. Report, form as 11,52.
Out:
9,54
